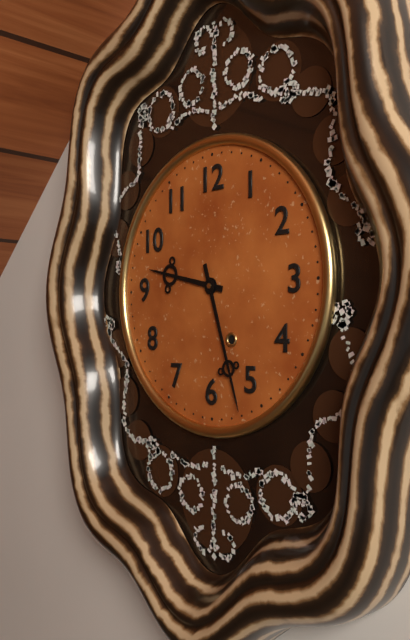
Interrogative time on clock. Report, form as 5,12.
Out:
9,27
